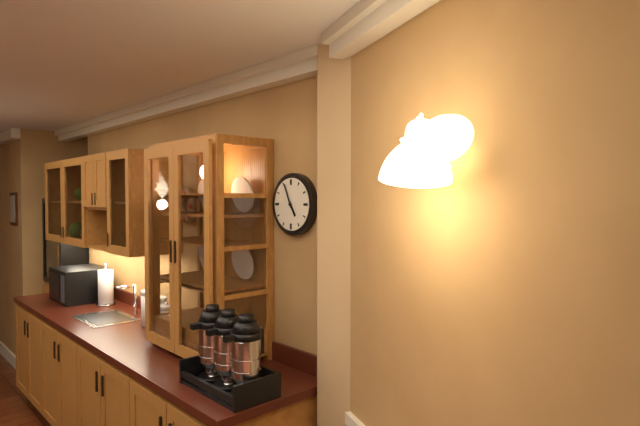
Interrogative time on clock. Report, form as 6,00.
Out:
4,56
